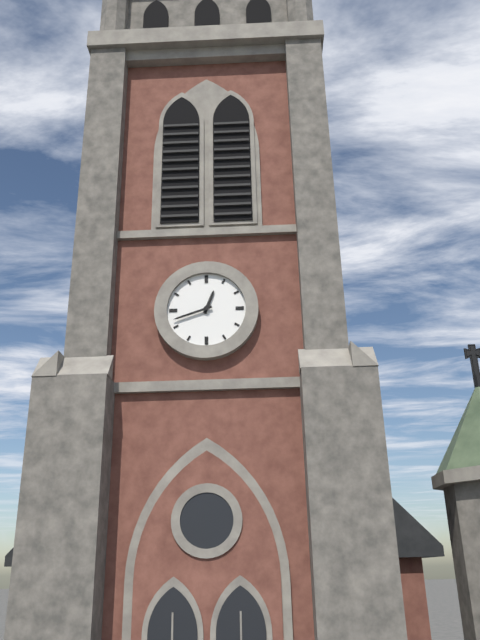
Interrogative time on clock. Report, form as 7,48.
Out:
12,42
